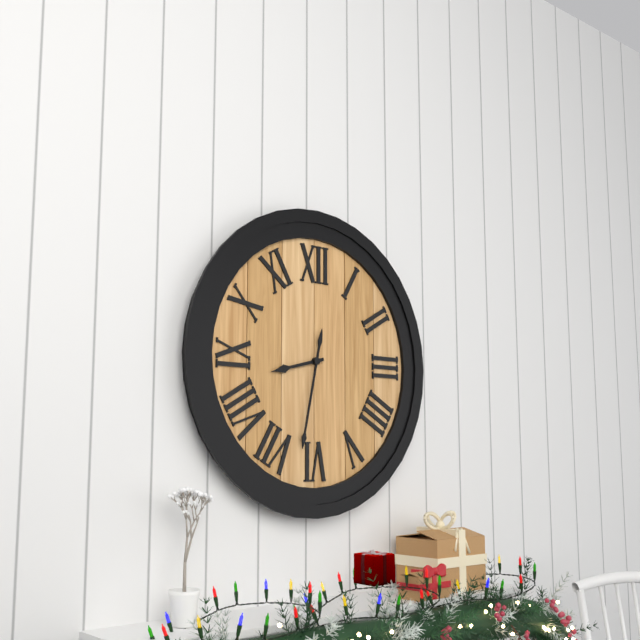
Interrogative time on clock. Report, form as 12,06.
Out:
8,32
